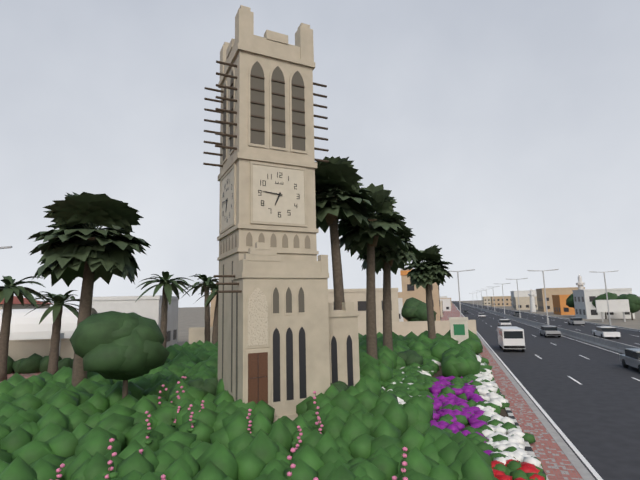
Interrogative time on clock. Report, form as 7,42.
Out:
6,46
